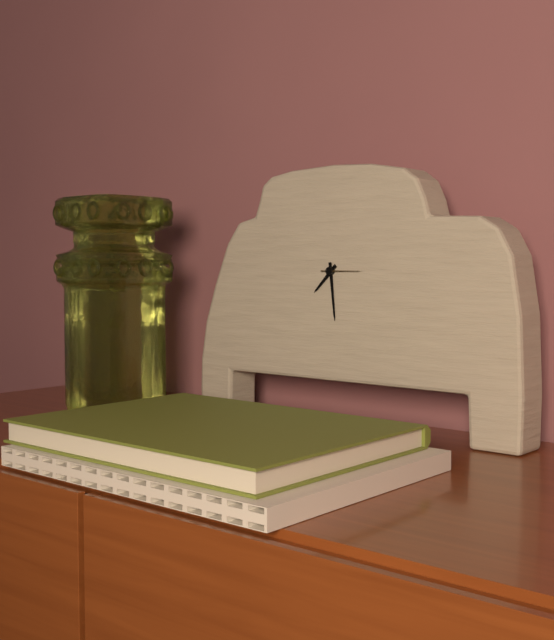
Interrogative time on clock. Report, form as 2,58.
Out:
7,29
